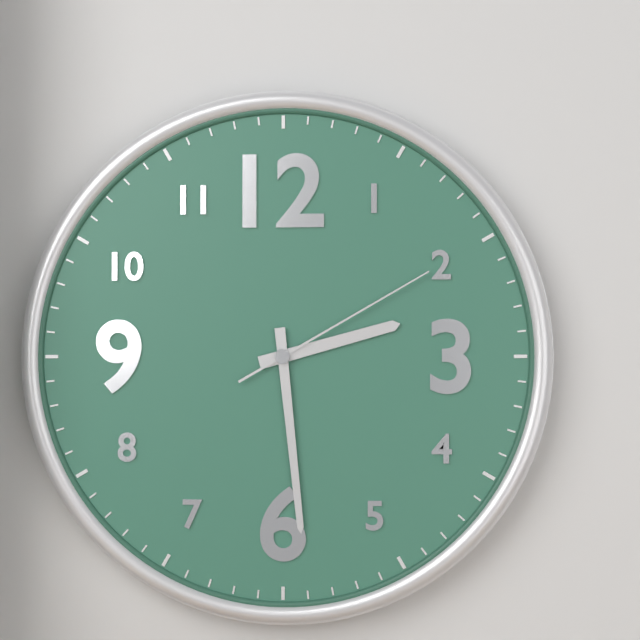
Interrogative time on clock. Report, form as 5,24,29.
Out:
2,29,10
